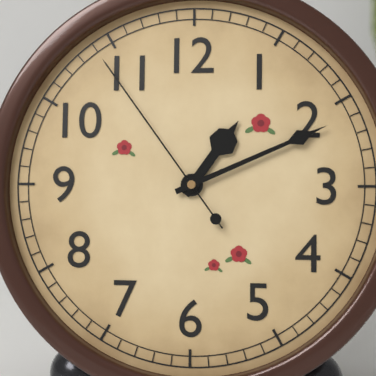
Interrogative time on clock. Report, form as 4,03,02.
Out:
1,11,54
